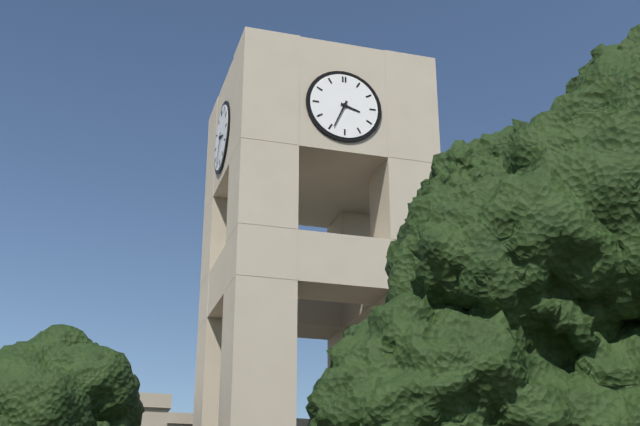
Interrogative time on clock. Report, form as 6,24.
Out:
3,34
